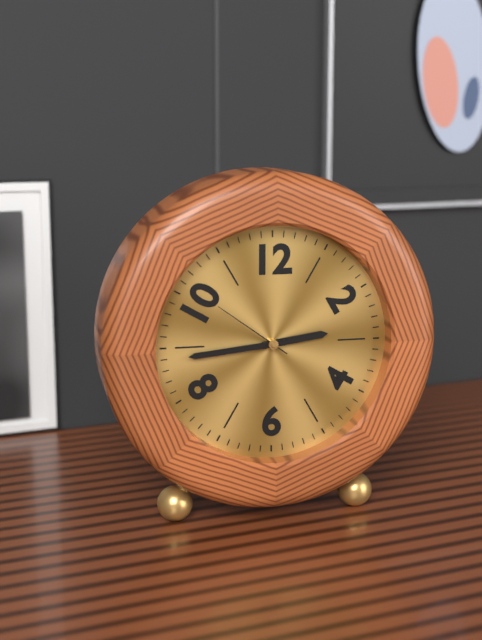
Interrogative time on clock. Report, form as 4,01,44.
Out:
2,44,51
